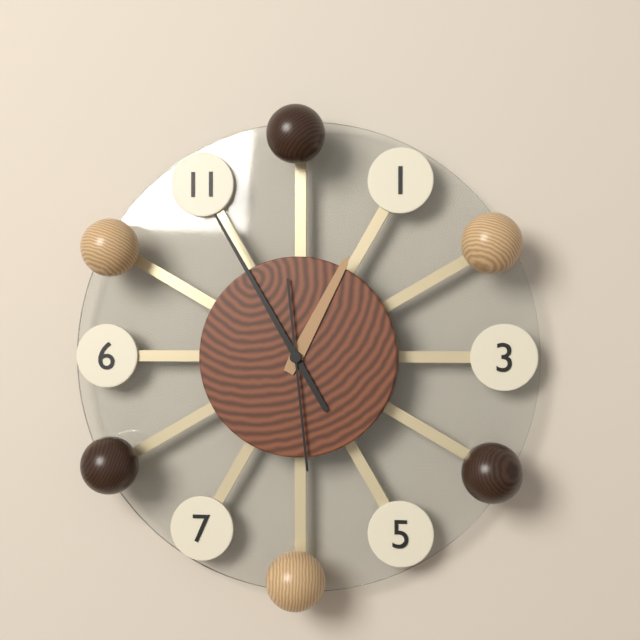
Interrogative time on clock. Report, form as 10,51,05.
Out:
12,55,29
